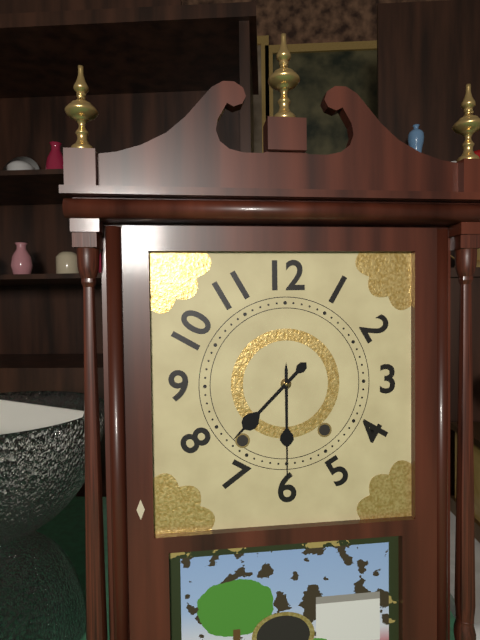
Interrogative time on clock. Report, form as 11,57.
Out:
7,30
